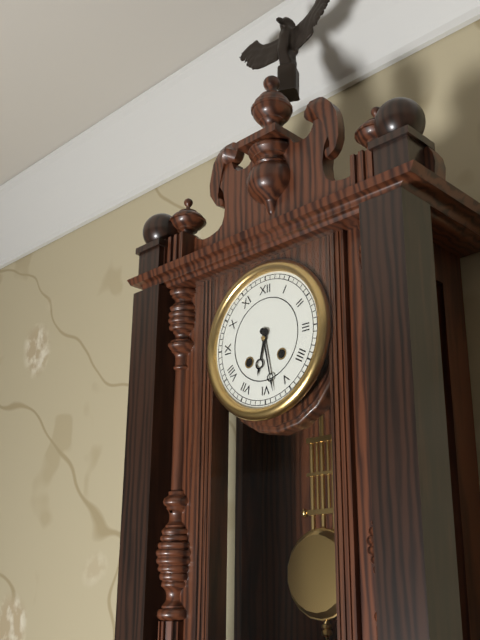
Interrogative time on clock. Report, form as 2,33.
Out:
6,28
